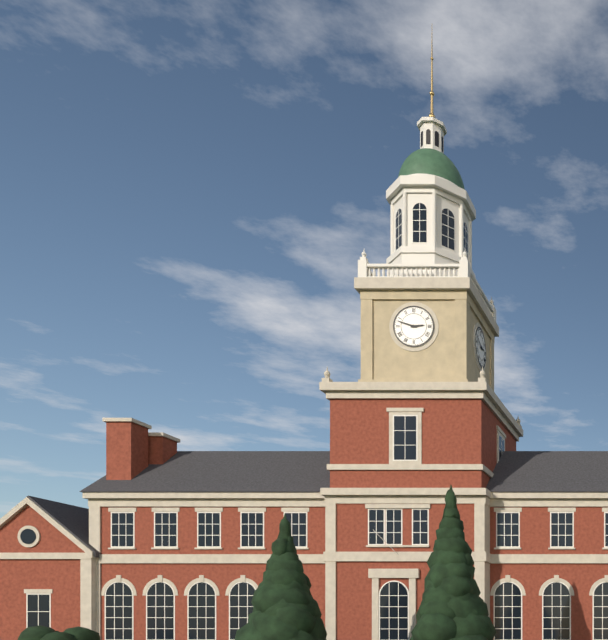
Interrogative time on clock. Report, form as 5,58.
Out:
2,48
